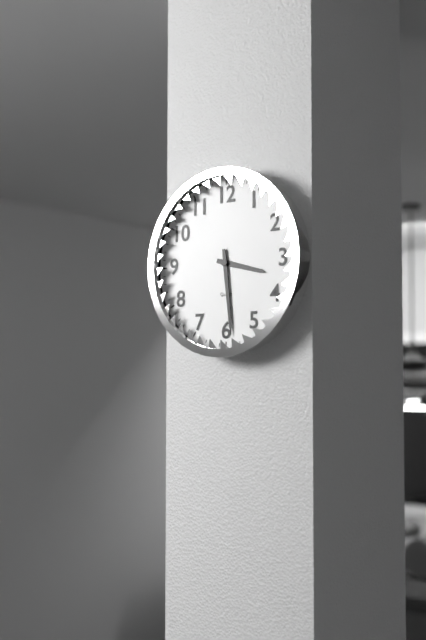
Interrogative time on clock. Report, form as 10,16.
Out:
3,29
